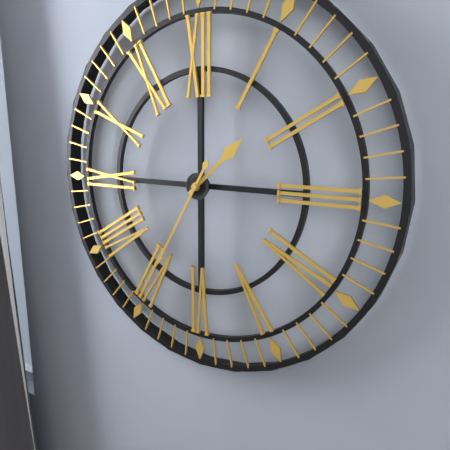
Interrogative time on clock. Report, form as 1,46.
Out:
1,35
